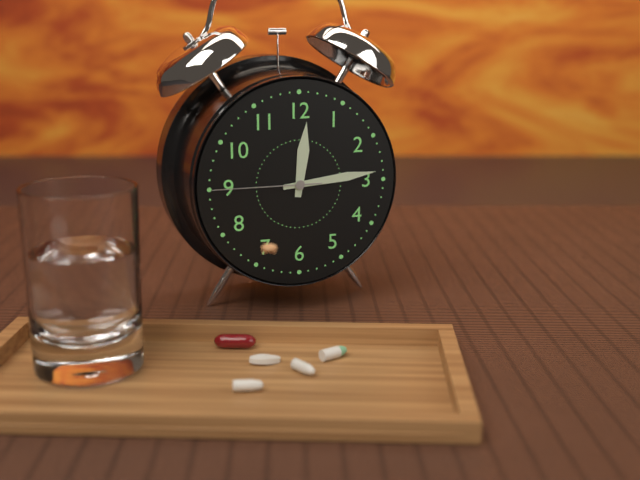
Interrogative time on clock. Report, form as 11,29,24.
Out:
12,14,45
